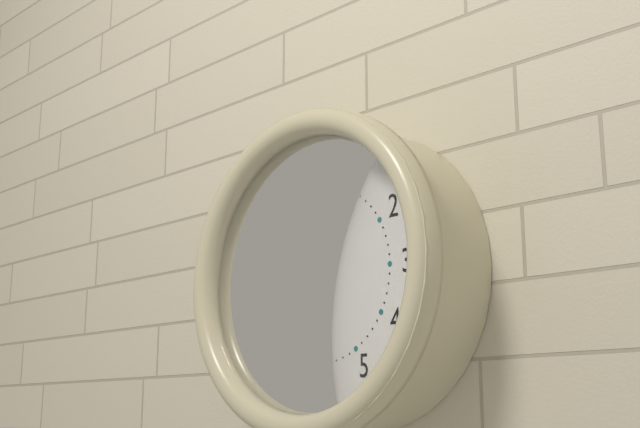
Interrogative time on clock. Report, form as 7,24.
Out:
6,32
